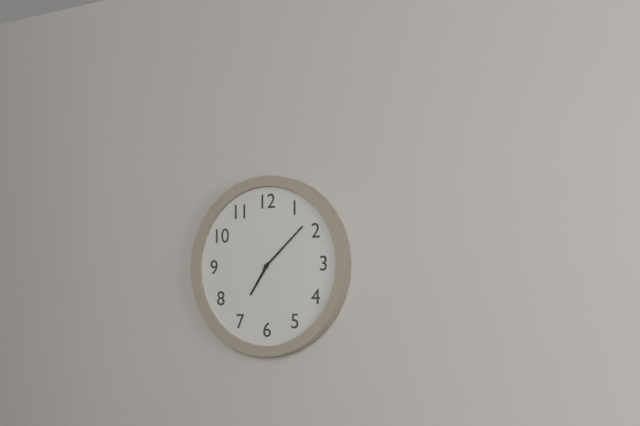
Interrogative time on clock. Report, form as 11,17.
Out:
7,08
